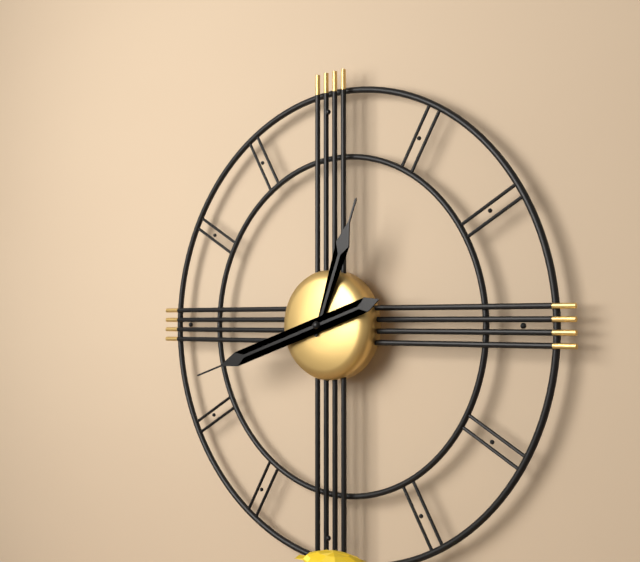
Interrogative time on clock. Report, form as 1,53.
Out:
12,42
